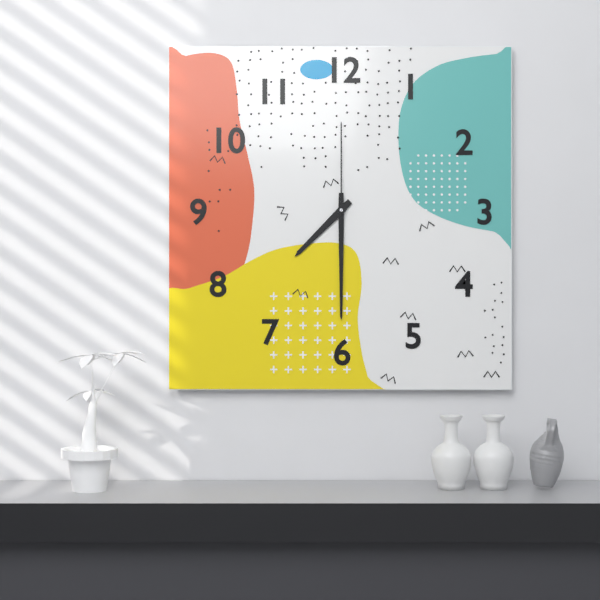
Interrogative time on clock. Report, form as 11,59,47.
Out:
7,30,00
